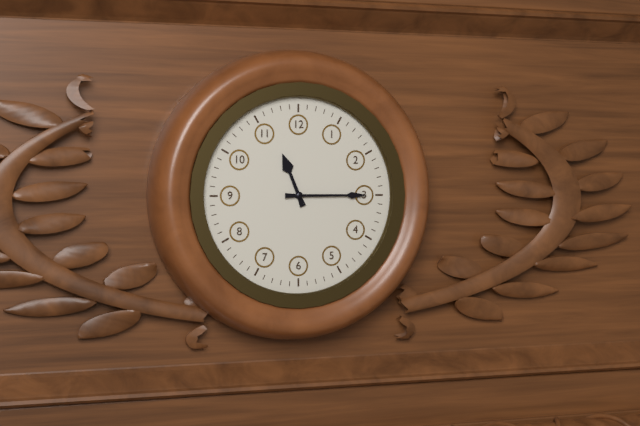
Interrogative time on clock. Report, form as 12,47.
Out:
11,15
